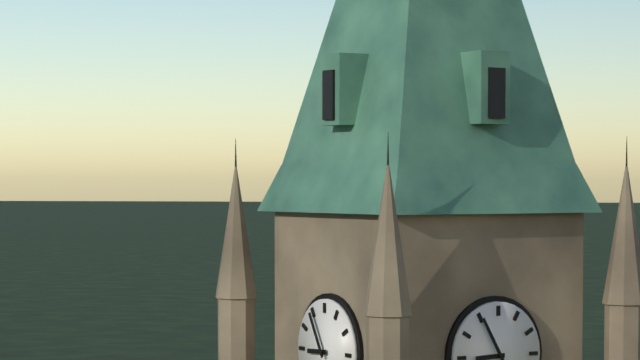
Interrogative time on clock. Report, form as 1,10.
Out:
8,55
